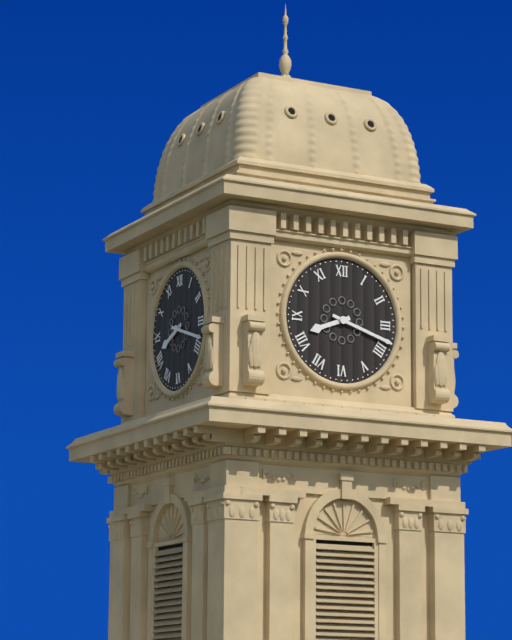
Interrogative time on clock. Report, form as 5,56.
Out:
8,18
